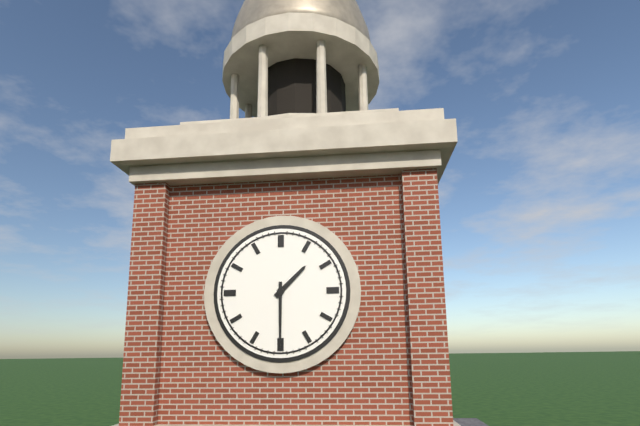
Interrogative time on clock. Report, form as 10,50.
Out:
1,30
